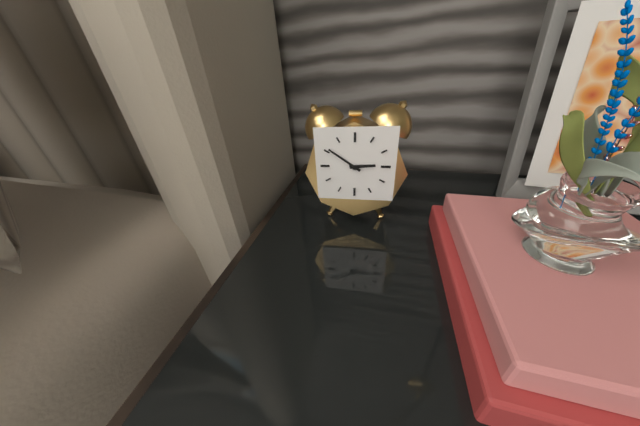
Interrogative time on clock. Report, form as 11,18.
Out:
2,51
